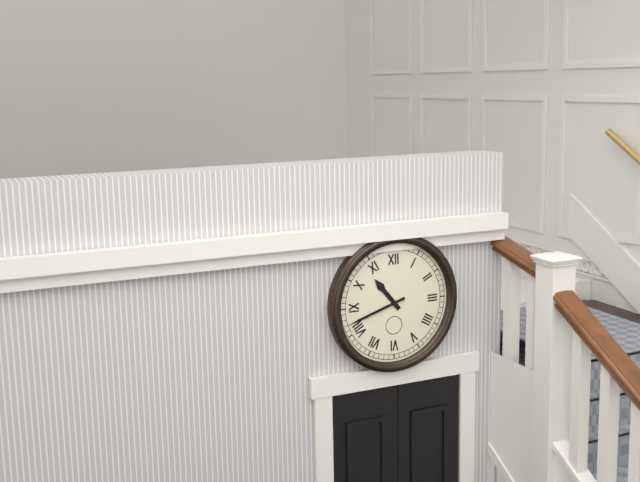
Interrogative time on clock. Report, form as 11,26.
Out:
10,42
